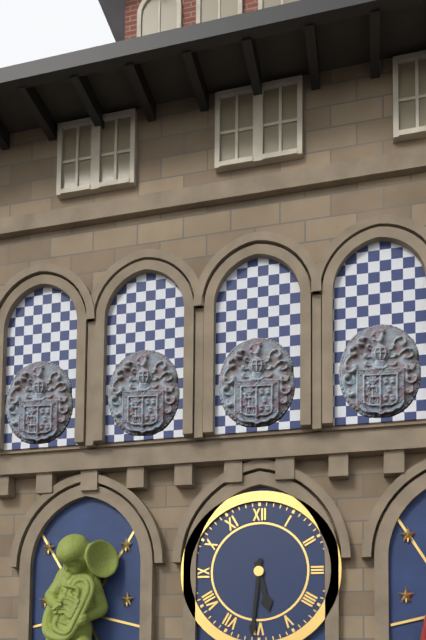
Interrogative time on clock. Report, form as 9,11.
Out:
5,31
